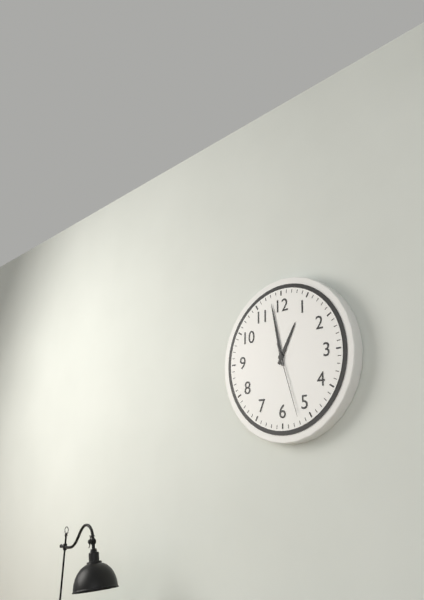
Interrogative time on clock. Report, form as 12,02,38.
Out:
12,58,27
